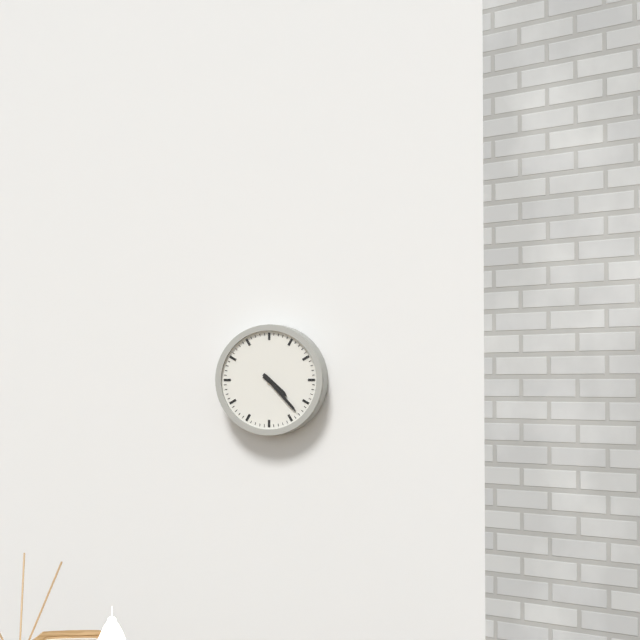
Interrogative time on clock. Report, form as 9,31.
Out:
4,23
